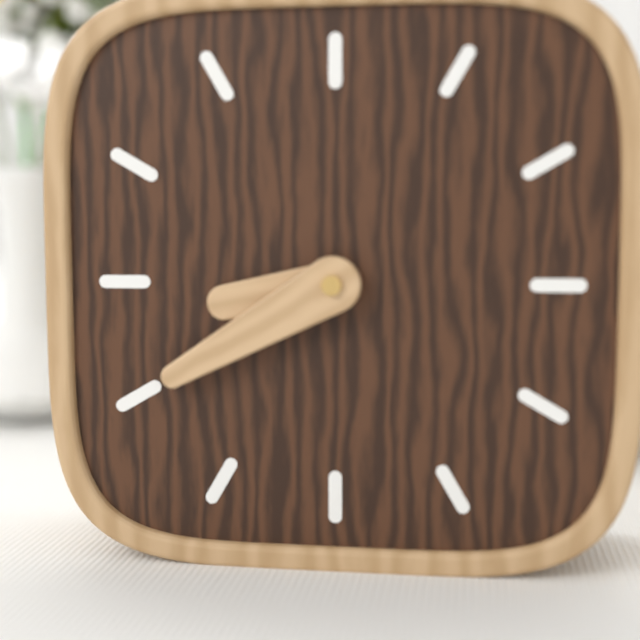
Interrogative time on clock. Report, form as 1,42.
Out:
8,40
